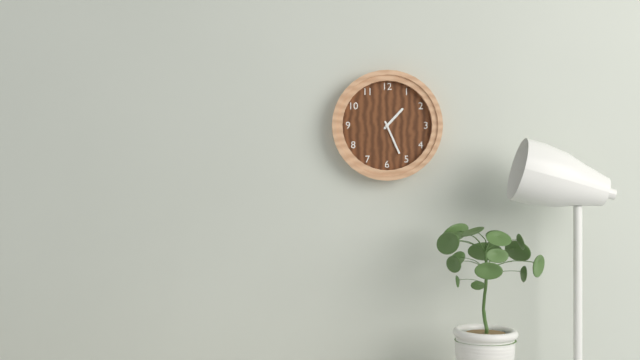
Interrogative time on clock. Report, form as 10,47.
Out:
1,26
